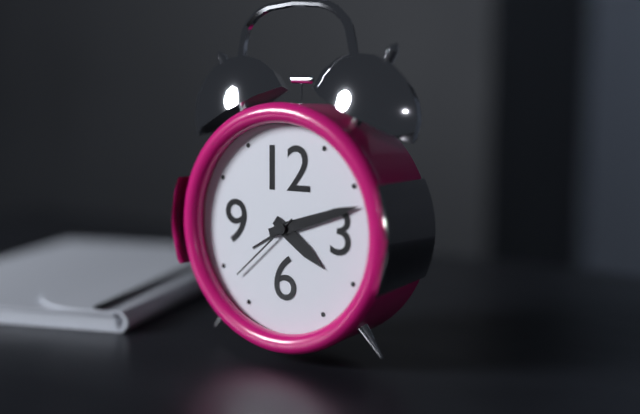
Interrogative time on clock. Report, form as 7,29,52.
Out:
4,12,38
